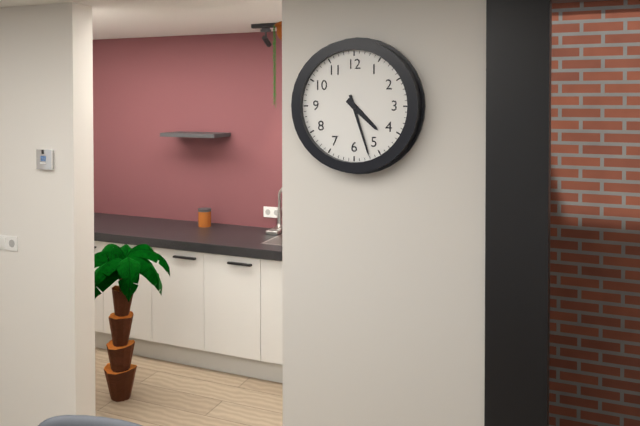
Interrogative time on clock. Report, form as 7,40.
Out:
4,27
